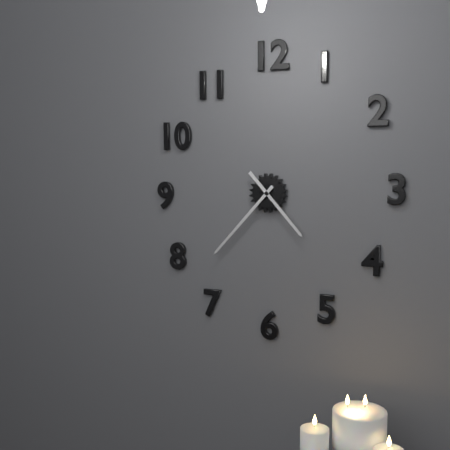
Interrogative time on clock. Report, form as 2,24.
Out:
4,37
